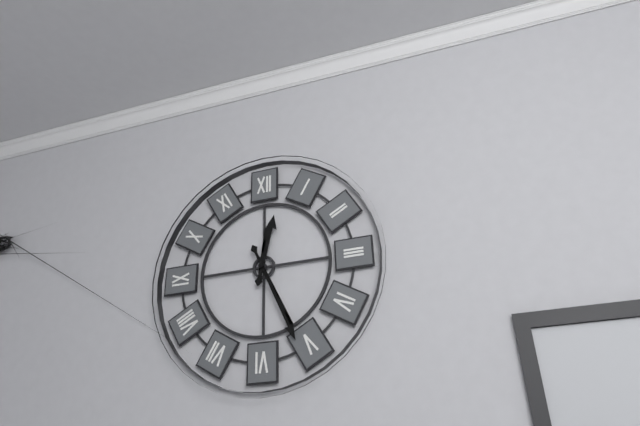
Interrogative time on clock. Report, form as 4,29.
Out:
12,26
